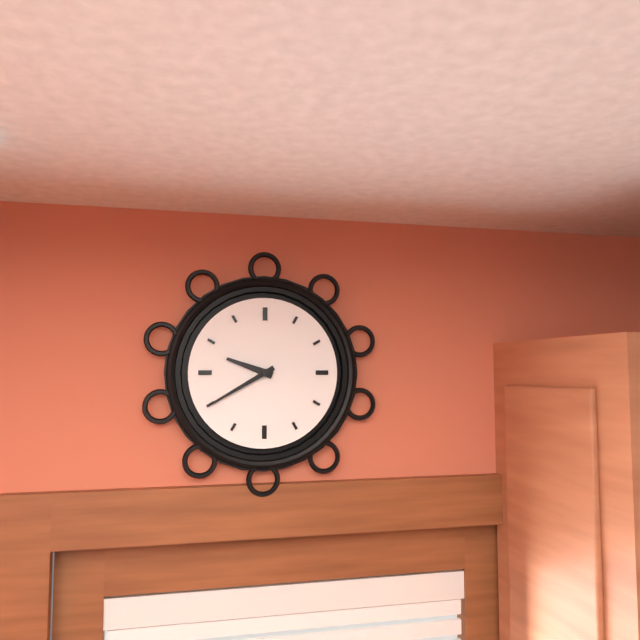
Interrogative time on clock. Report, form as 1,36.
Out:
9,40
